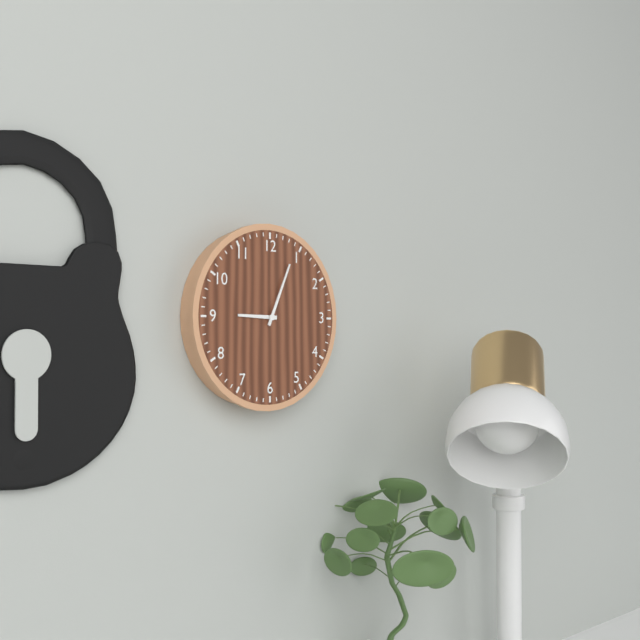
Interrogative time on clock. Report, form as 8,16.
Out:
9,04
